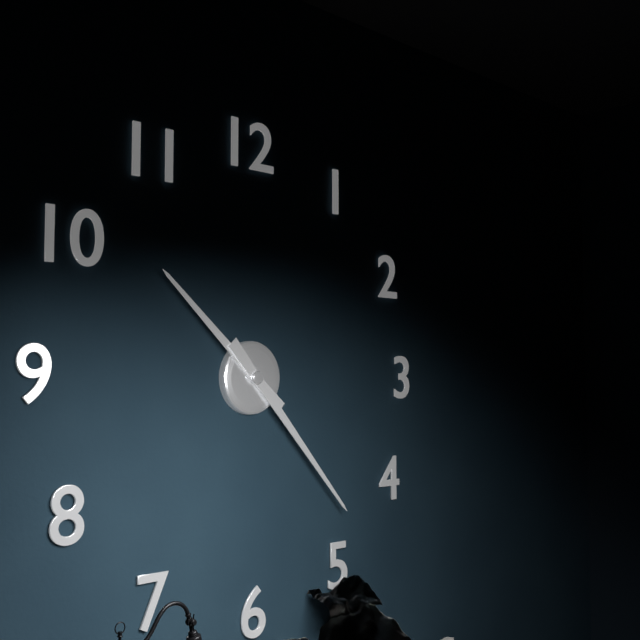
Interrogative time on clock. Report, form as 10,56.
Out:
10,23
